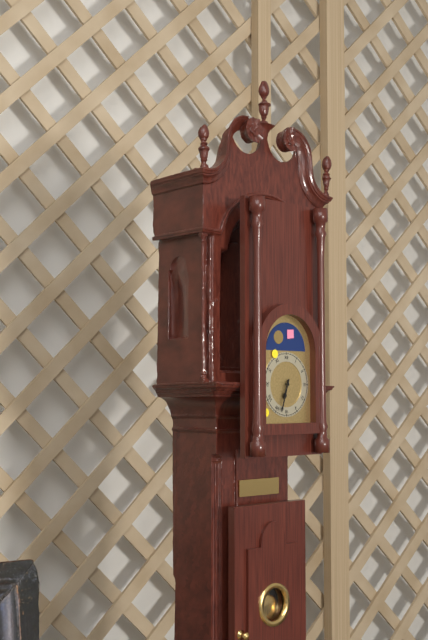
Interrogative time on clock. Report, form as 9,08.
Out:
6,33
